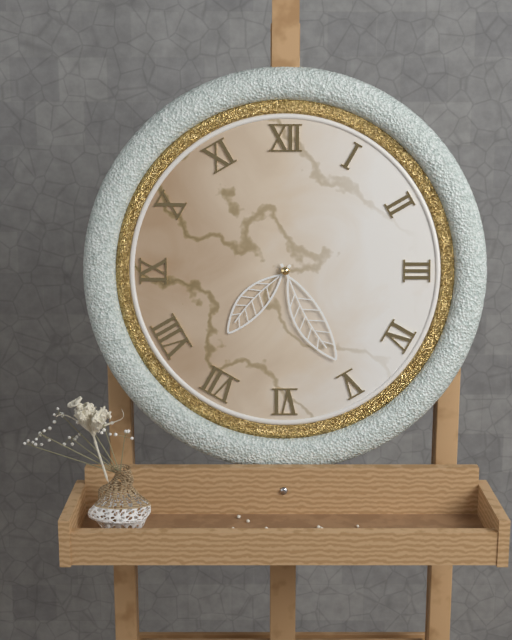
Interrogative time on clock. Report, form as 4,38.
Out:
7,25
